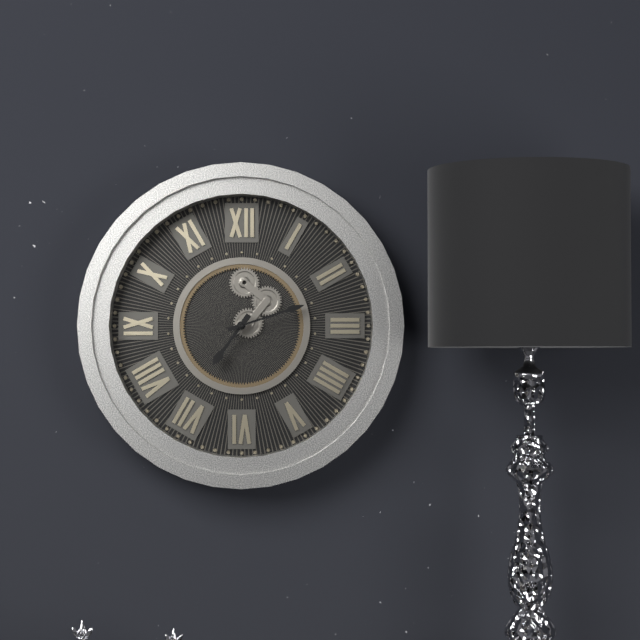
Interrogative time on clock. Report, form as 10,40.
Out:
7,12
